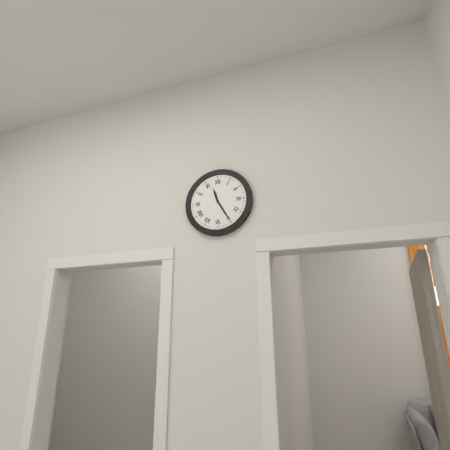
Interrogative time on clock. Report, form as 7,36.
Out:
11,25
